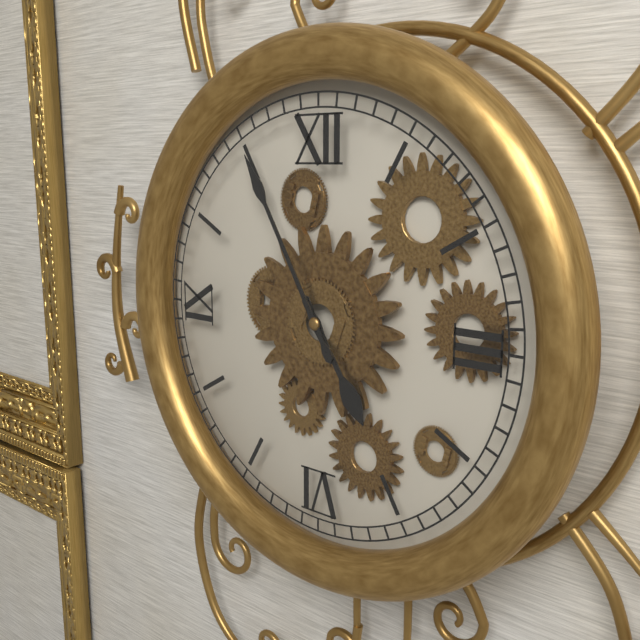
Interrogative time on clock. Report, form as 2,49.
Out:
4,55
